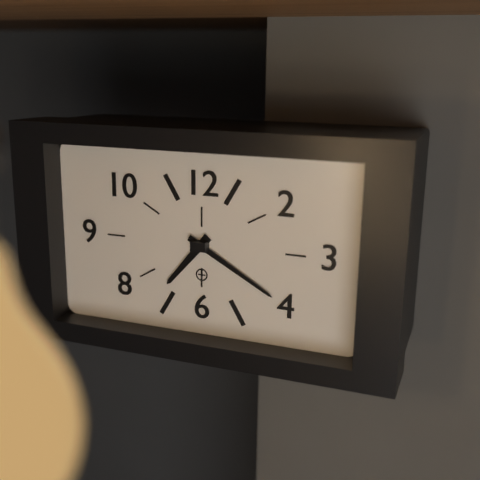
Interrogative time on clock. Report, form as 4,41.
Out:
7,20
